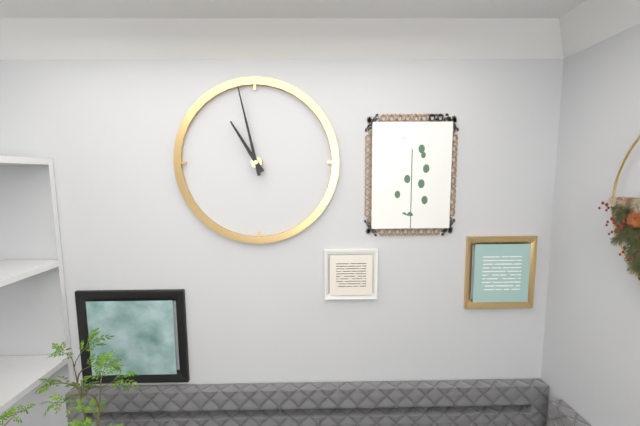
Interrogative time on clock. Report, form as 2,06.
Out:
10,58
